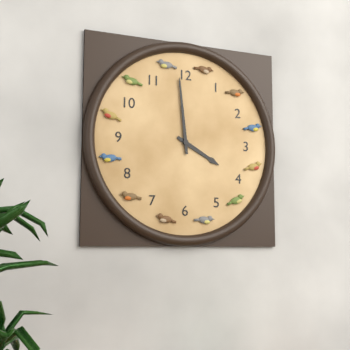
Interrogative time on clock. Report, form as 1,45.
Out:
3,59
